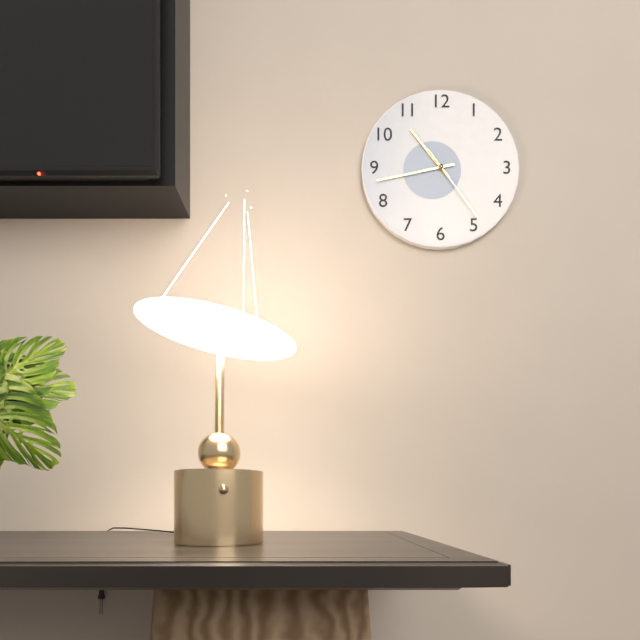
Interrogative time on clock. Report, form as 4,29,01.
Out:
10,43,24
